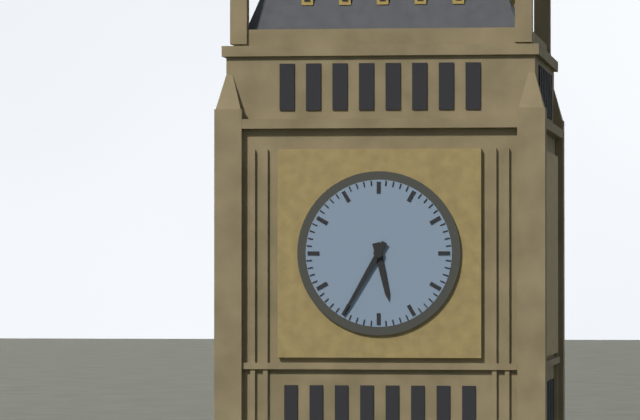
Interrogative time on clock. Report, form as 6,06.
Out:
5,35
